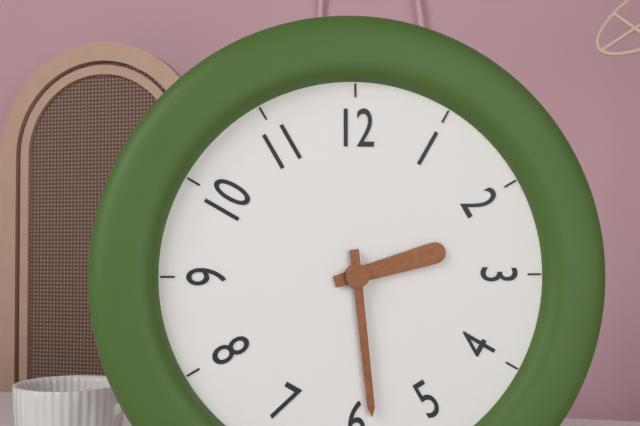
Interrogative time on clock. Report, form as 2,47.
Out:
2,29
